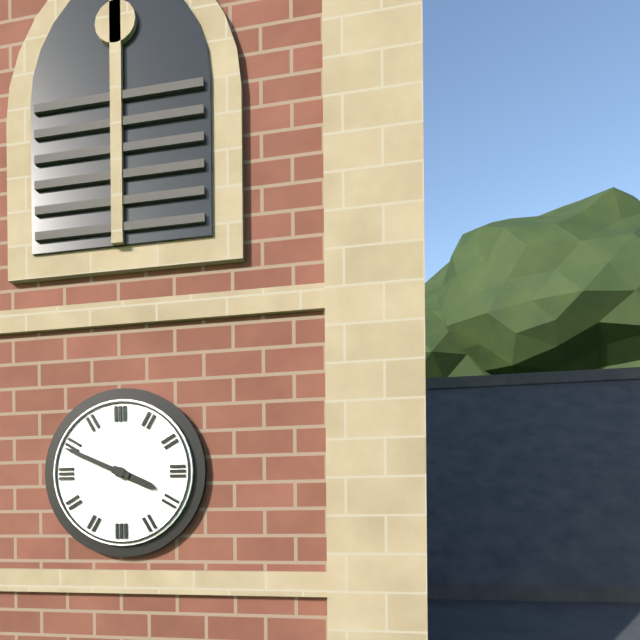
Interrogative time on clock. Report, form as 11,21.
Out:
3,49
